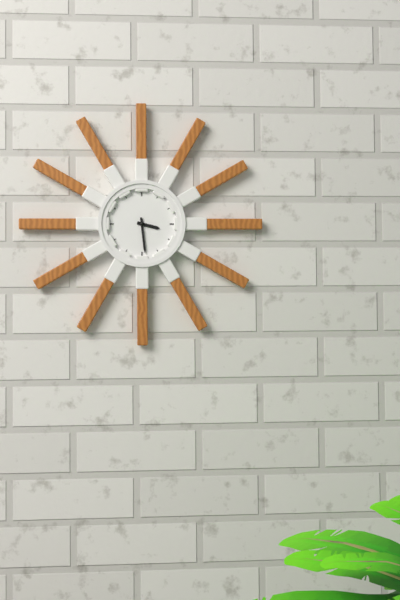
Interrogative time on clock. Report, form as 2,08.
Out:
3,29
